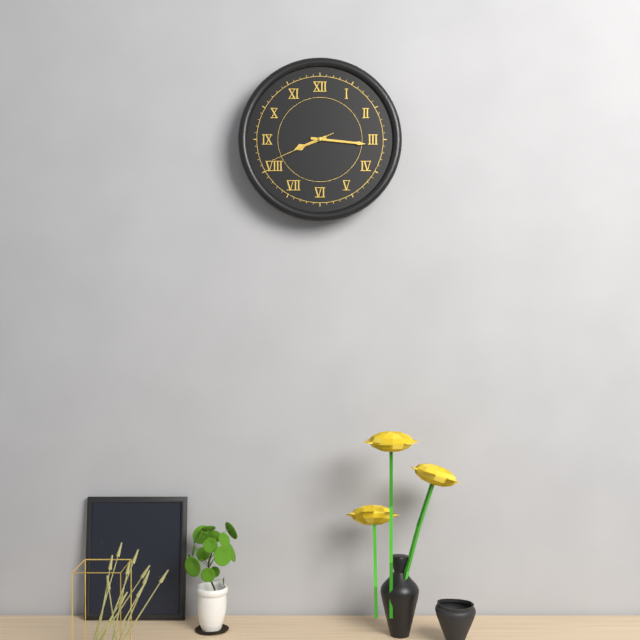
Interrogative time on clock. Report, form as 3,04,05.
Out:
8,16,41
